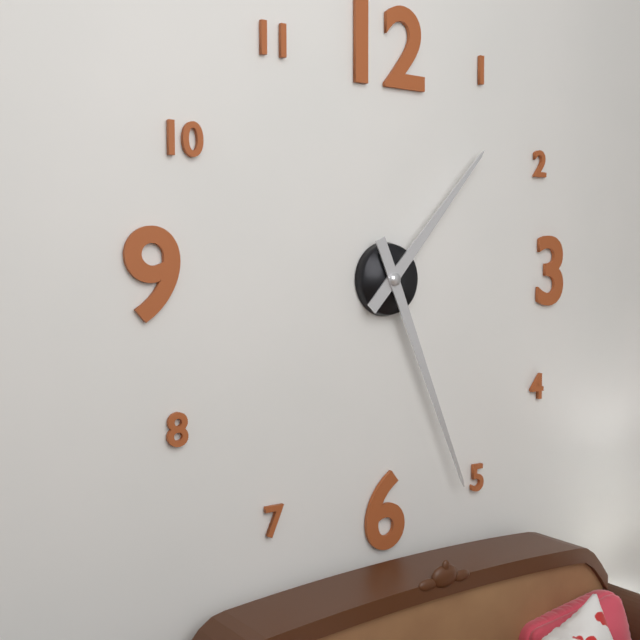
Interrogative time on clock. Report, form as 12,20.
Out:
1,26
